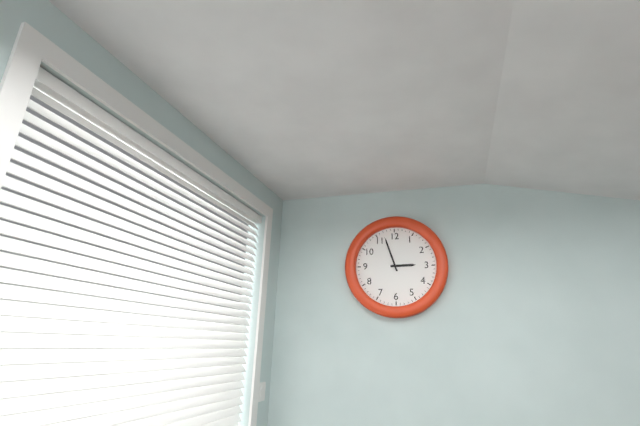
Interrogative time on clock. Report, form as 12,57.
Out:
2,57
